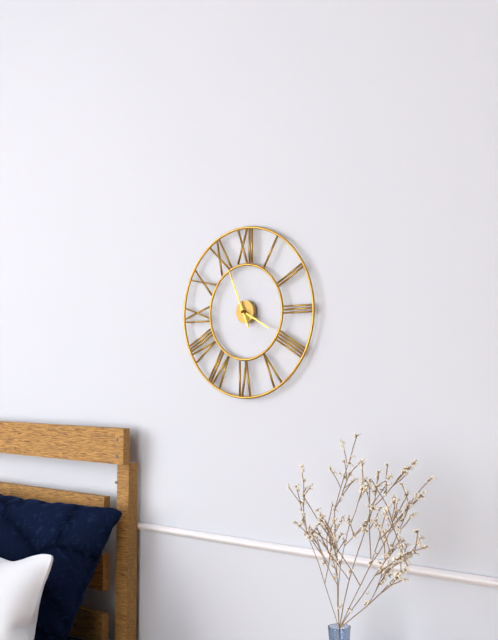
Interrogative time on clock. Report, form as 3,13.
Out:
3,56
